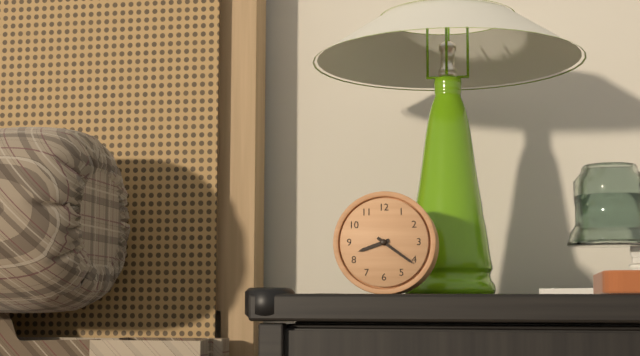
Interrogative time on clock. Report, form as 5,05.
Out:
8,21
